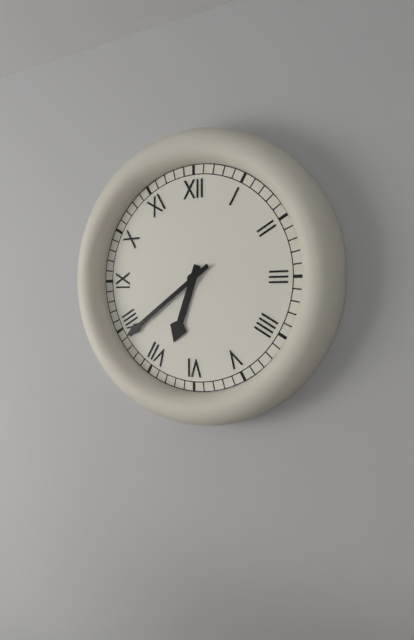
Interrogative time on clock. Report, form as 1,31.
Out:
6,39
